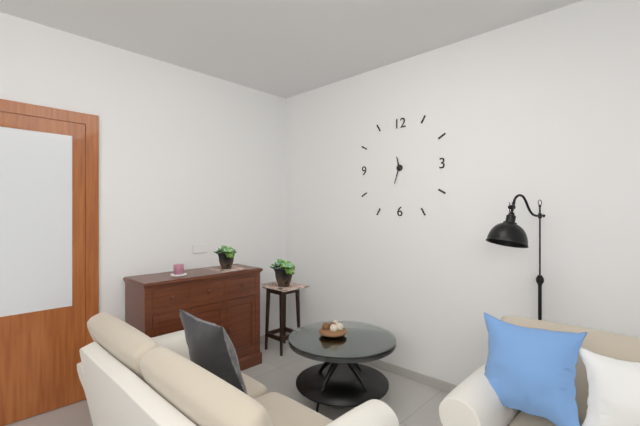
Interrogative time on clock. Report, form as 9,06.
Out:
11,33
